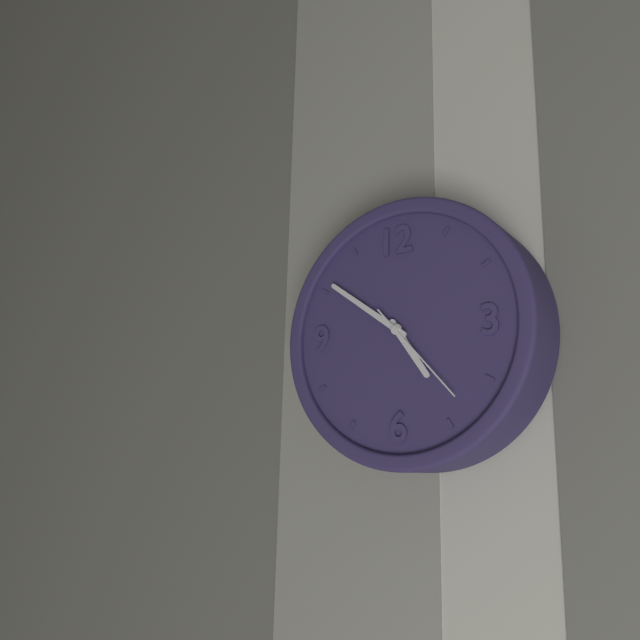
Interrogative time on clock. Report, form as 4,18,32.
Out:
4,51,23
